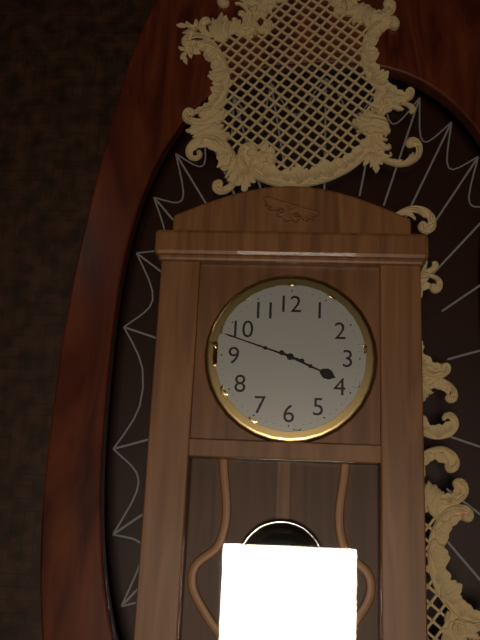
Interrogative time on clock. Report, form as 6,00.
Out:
3,48
